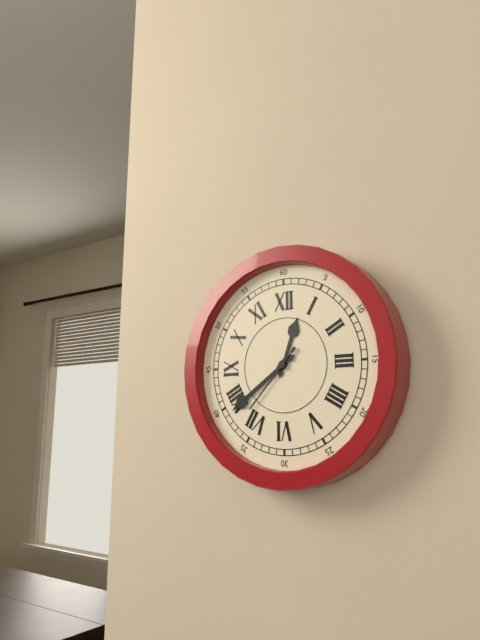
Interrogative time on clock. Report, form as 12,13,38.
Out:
12,39,37
